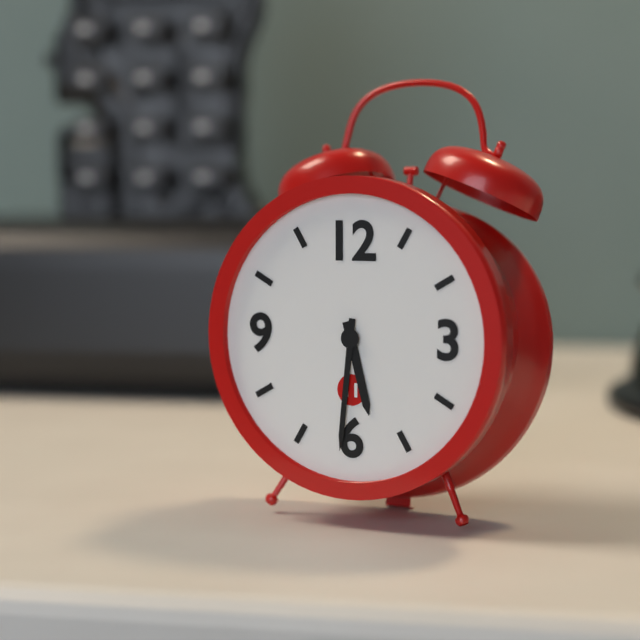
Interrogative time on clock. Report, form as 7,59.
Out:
5,31
